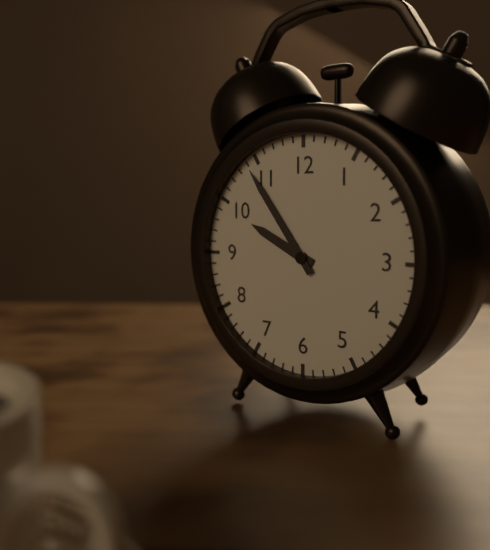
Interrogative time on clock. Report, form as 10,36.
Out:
9,54
